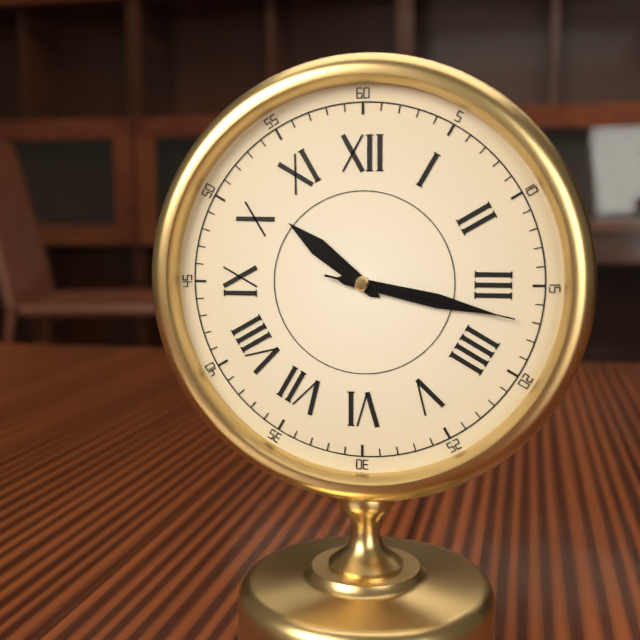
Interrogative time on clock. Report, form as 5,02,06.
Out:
10,17,17
